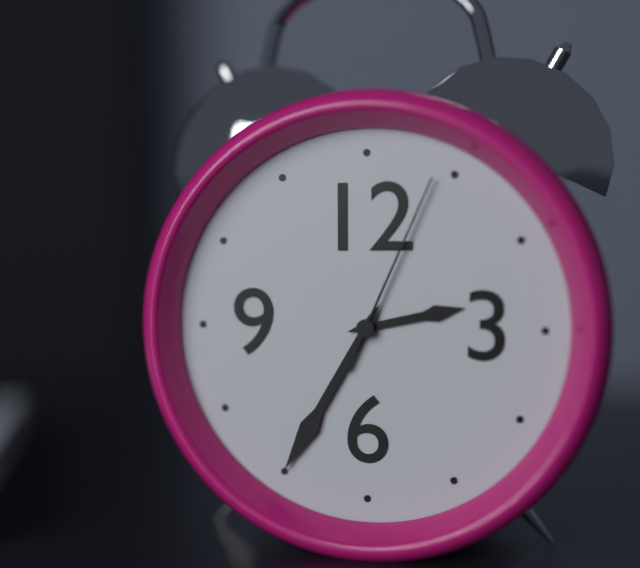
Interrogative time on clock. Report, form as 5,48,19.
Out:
2,35,04
